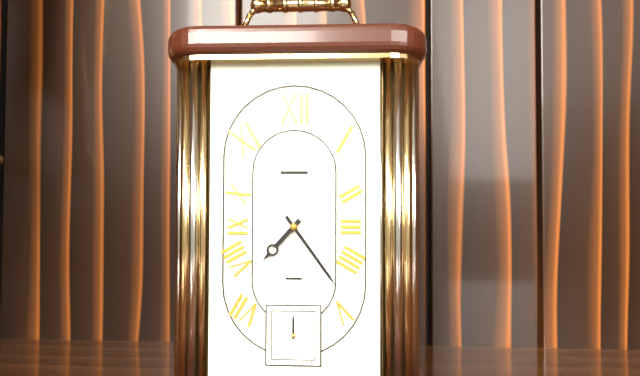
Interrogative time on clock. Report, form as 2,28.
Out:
7,24
